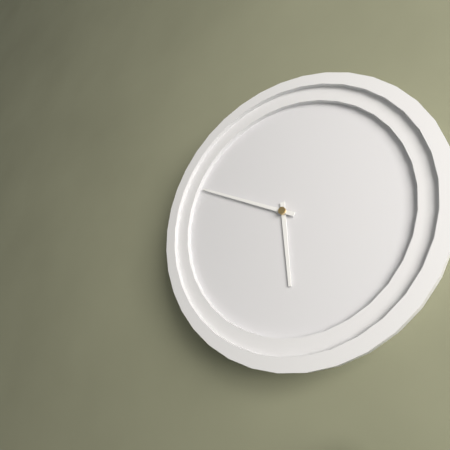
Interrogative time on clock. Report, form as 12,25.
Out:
5,49
